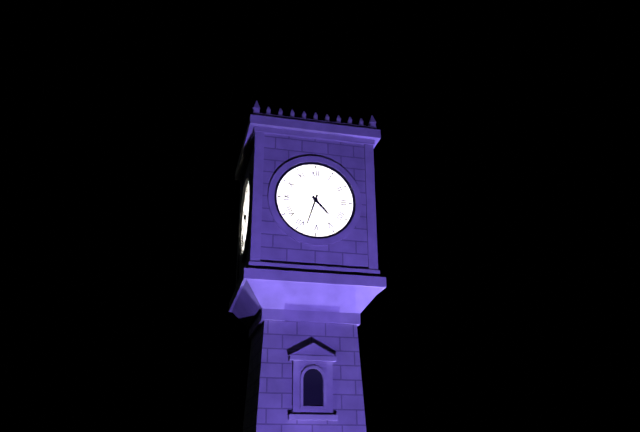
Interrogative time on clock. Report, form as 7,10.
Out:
4,33
